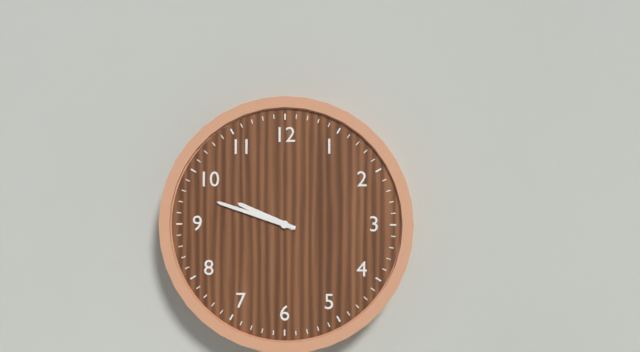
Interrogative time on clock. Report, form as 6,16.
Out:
9,48
